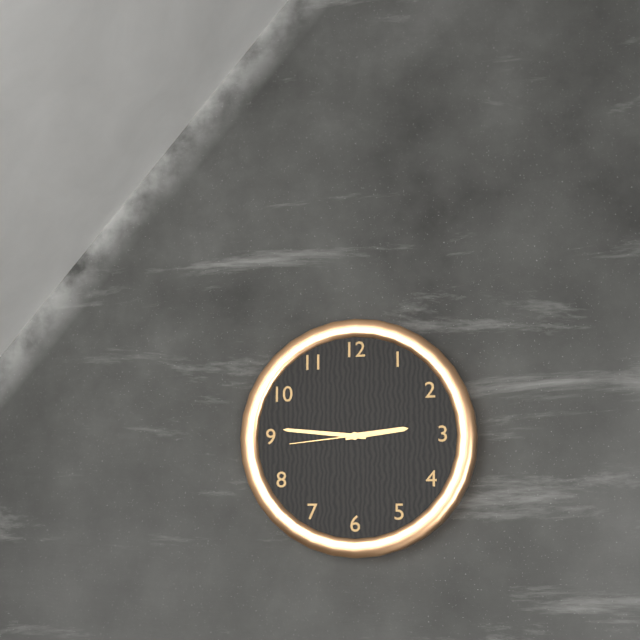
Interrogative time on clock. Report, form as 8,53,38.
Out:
2,46,44
